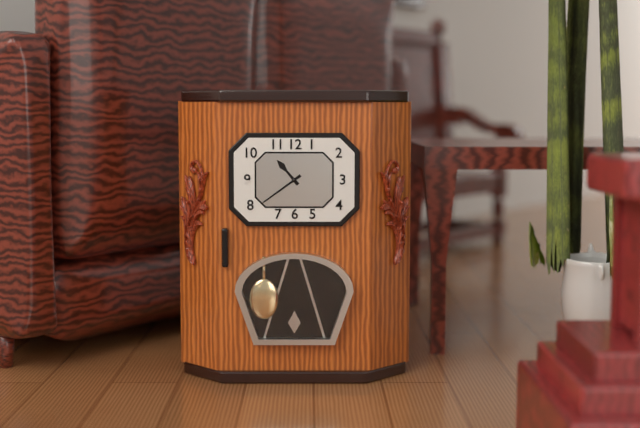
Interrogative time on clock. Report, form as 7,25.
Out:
10,39
